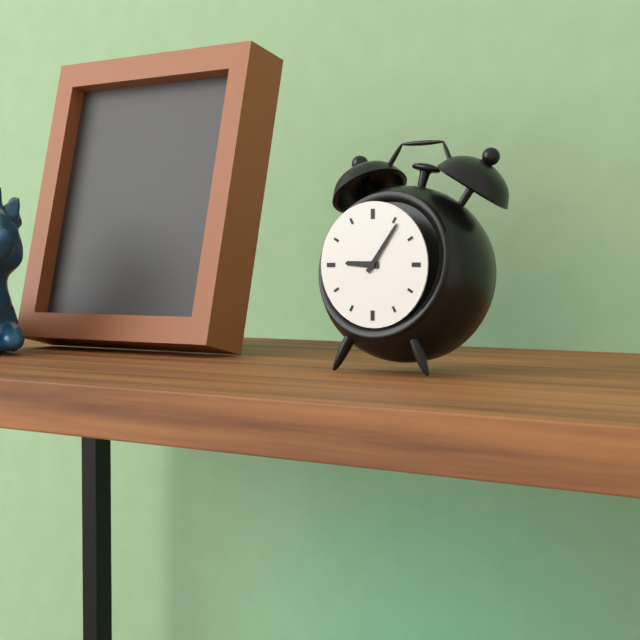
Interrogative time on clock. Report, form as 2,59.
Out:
9,06
